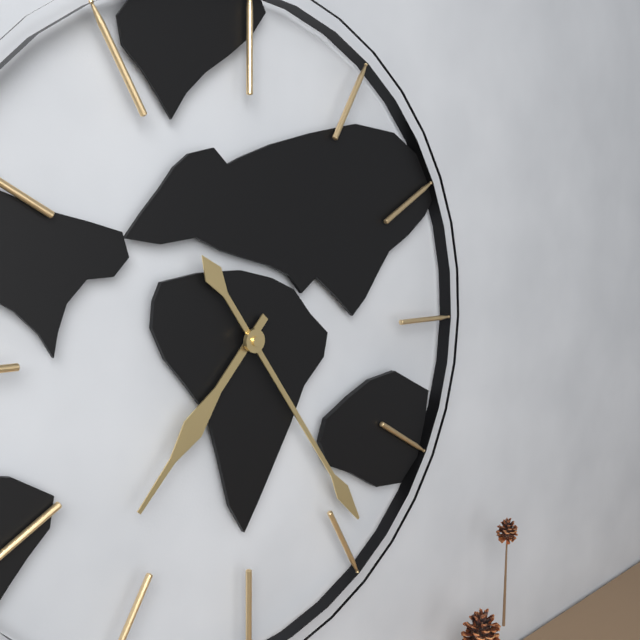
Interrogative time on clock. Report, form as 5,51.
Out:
7,24
